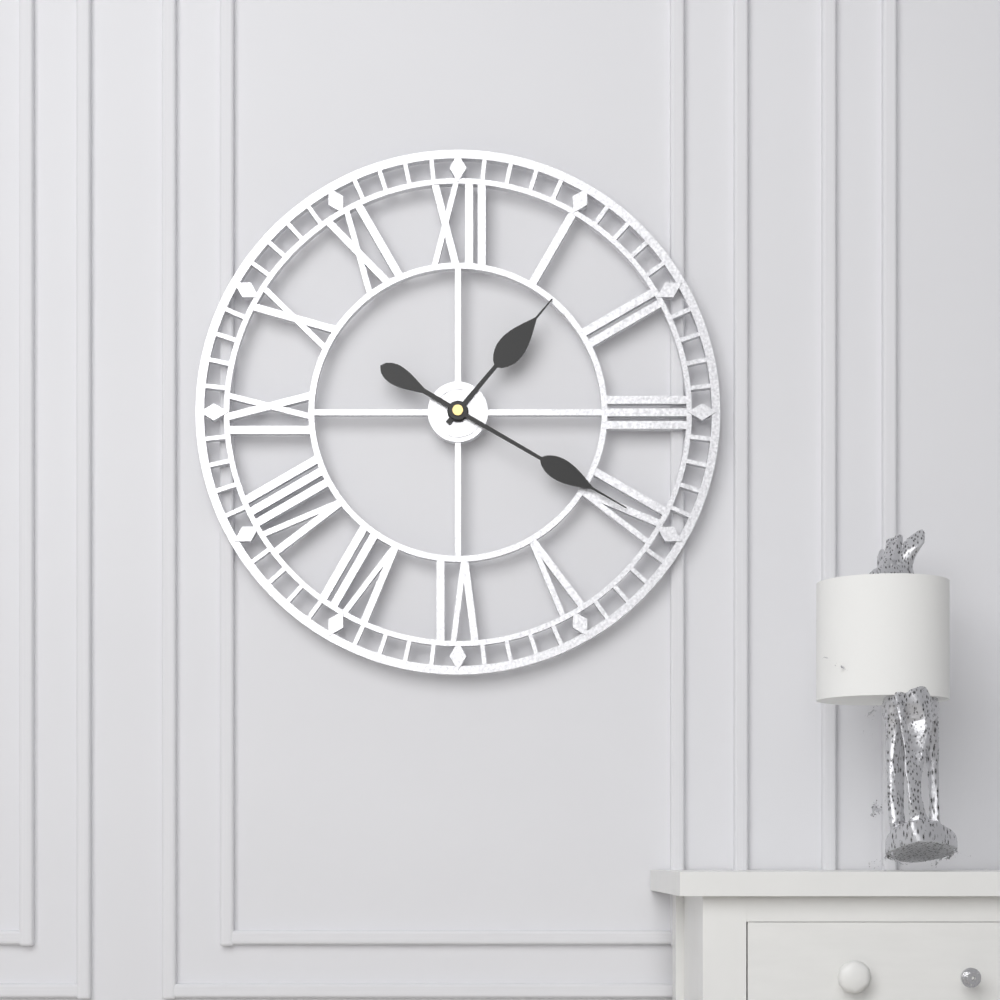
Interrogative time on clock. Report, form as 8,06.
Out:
1,20
